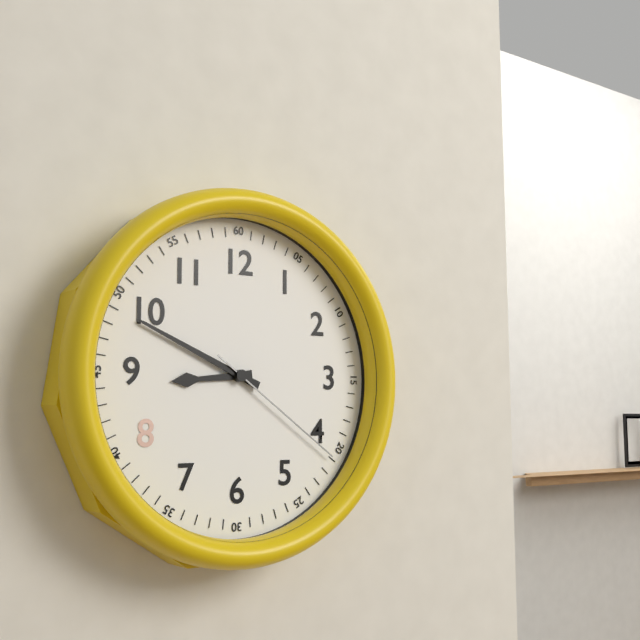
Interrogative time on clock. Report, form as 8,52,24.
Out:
8,49,21
